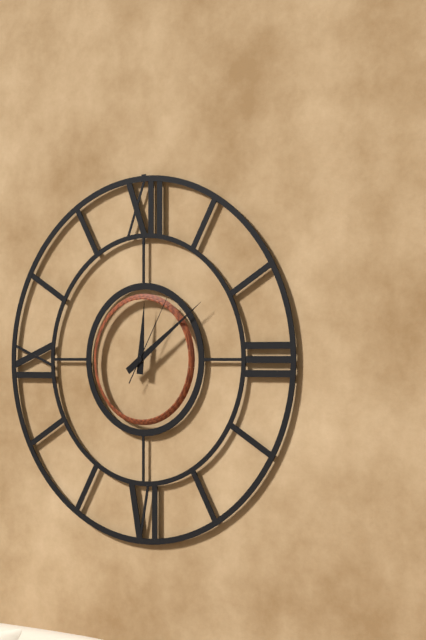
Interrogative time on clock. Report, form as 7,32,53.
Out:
12,09,05
